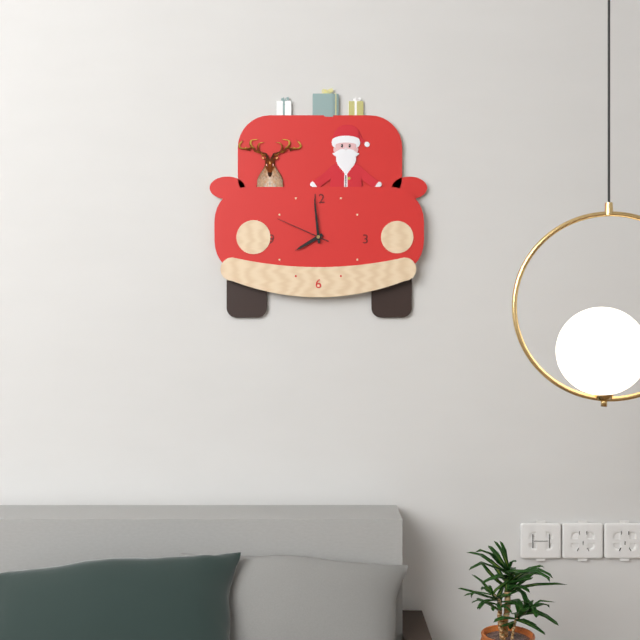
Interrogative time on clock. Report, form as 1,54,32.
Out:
7,59,49
